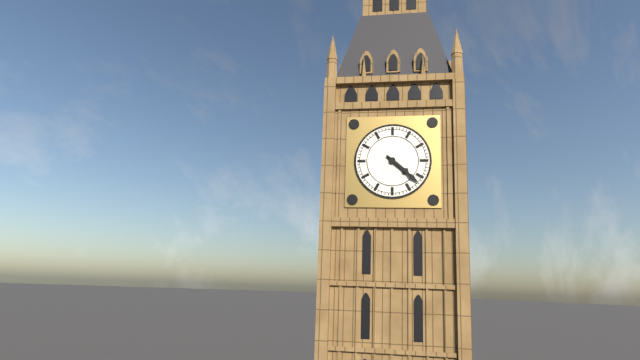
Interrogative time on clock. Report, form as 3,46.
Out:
4,22
